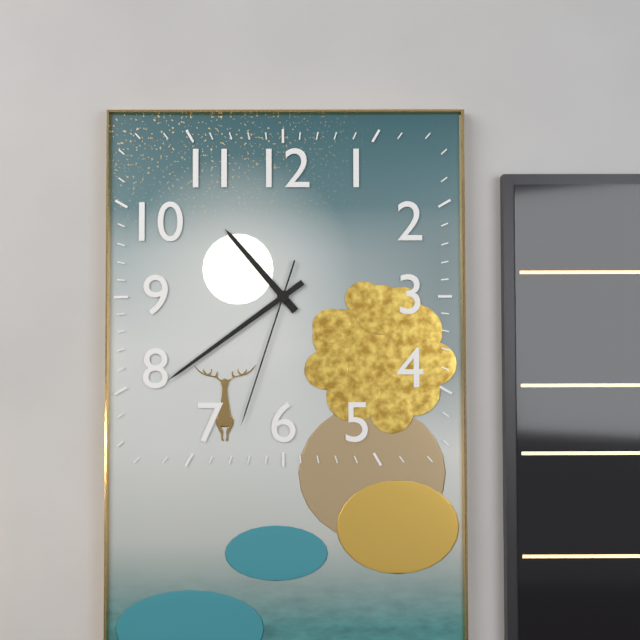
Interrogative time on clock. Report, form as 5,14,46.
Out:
10,39,33
